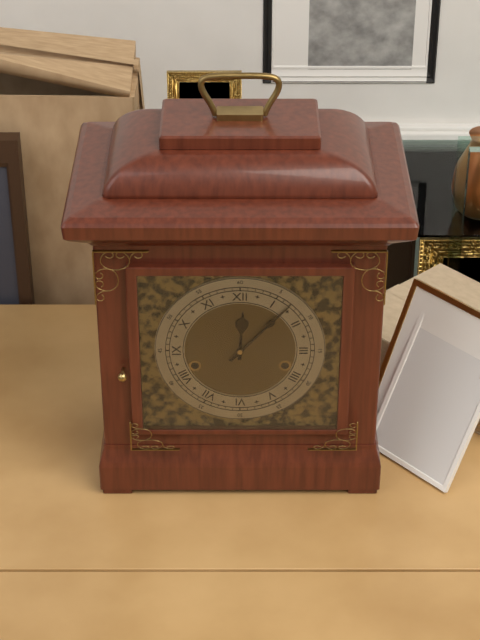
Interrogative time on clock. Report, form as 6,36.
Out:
12,07
